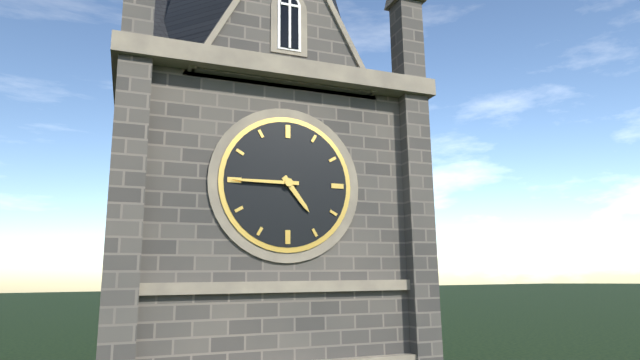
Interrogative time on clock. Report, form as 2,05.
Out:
4,45
